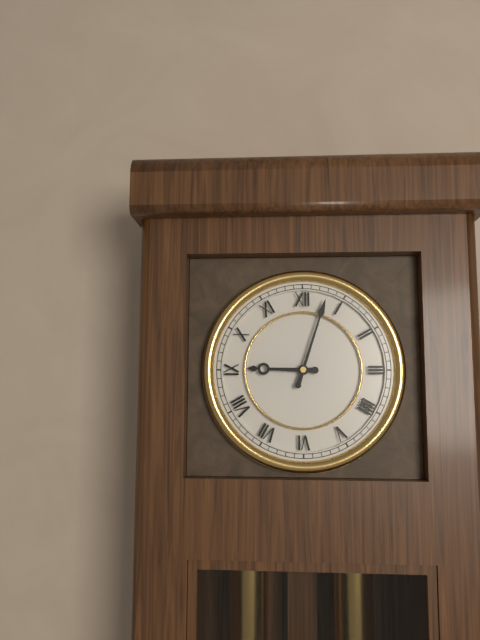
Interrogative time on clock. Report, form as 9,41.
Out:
9,03
